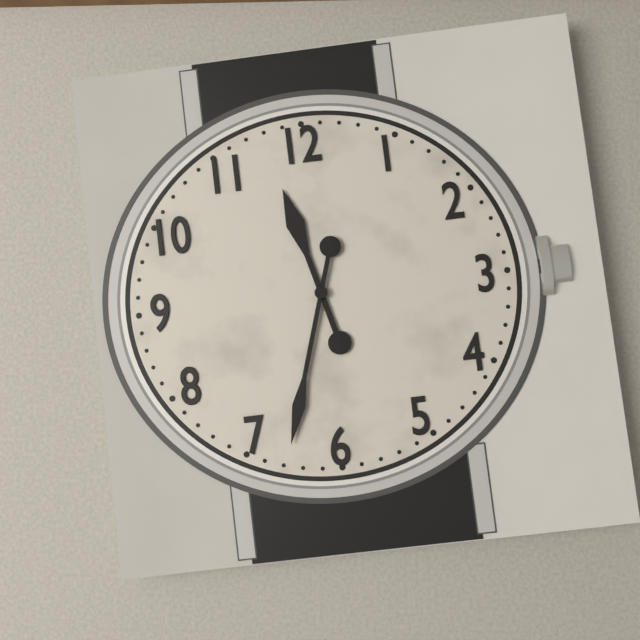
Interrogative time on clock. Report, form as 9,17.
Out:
11,33
